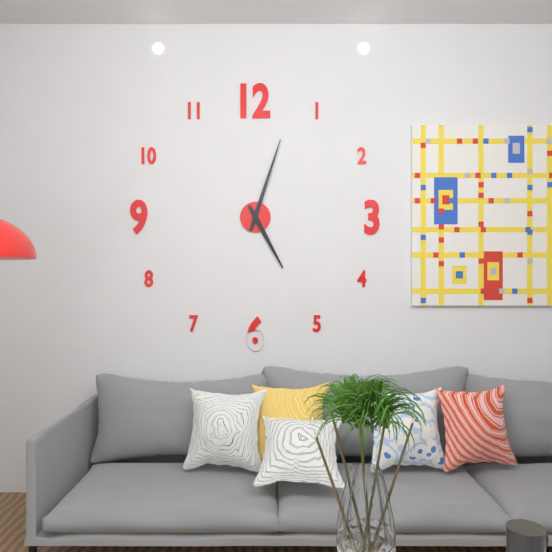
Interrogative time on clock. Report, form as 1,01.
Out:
5,03
